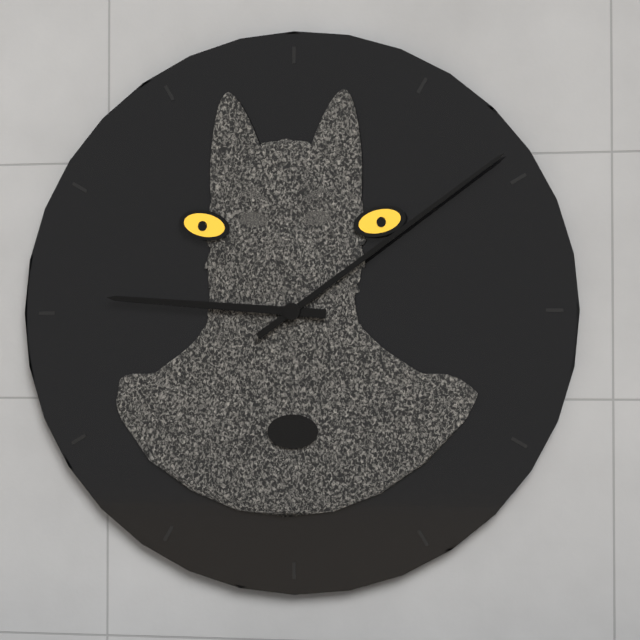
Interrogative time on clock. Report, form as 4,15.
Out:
9,09
